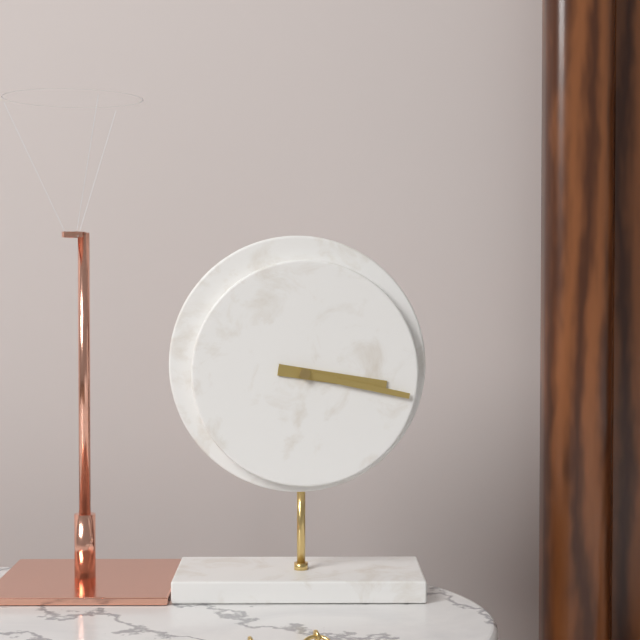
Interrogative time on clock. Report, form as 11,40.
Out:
3,17
